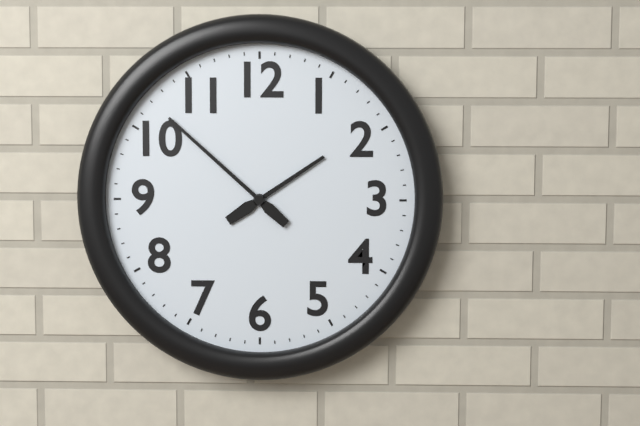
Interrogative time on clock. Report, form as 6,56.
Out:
1,52
